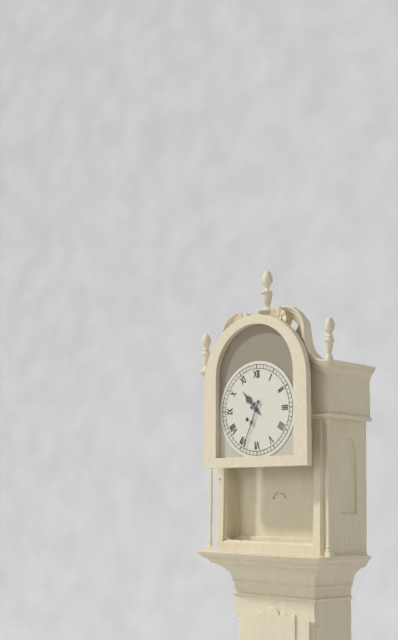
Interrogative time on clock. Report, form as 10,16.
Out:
10,34
